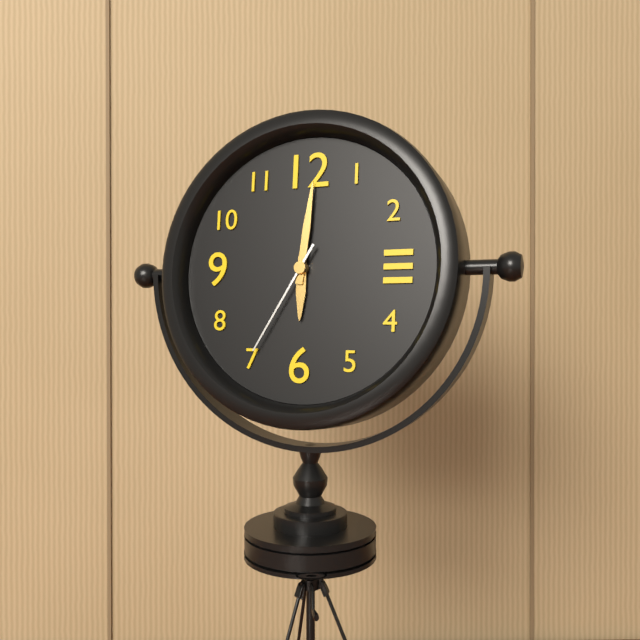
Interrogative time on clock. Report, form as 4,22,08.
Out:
6,01,35
